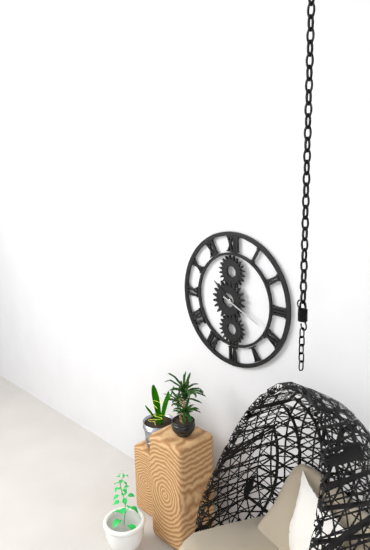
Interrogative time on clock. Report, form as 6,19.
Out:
10,19
